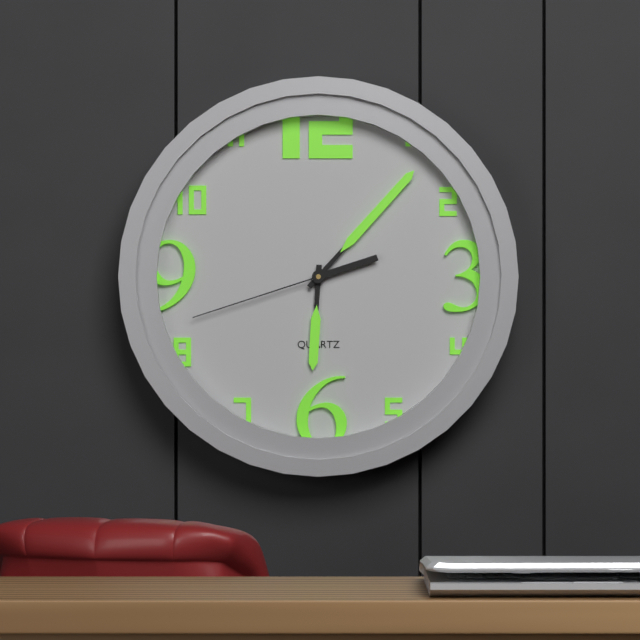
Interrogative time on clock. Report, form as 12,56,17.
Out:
6,07,42
